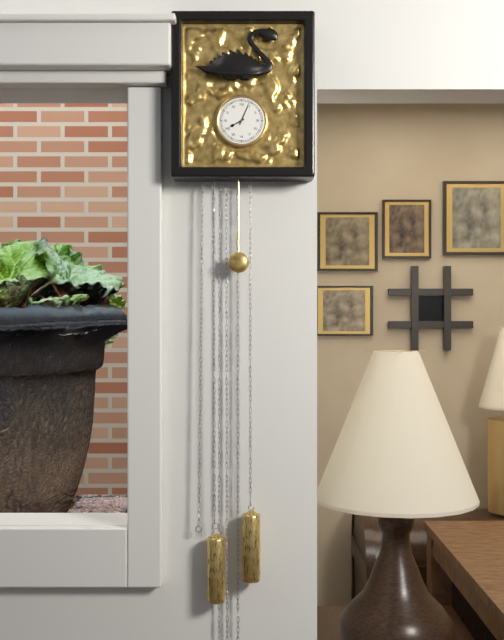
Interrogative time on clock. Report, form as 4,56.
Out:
8,04
